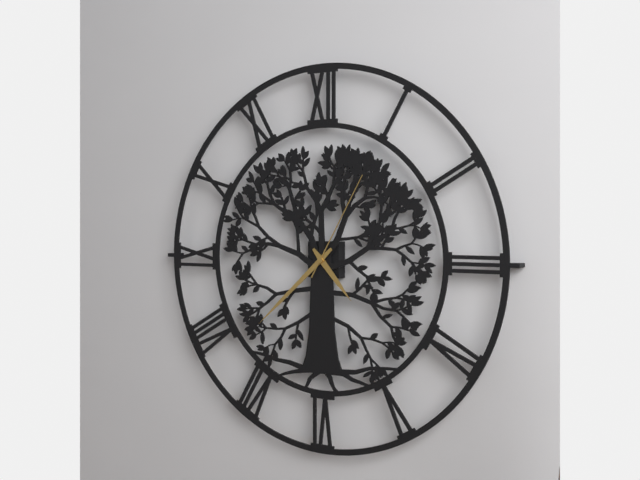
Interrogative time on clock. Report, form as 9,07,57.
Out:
4,38,05
